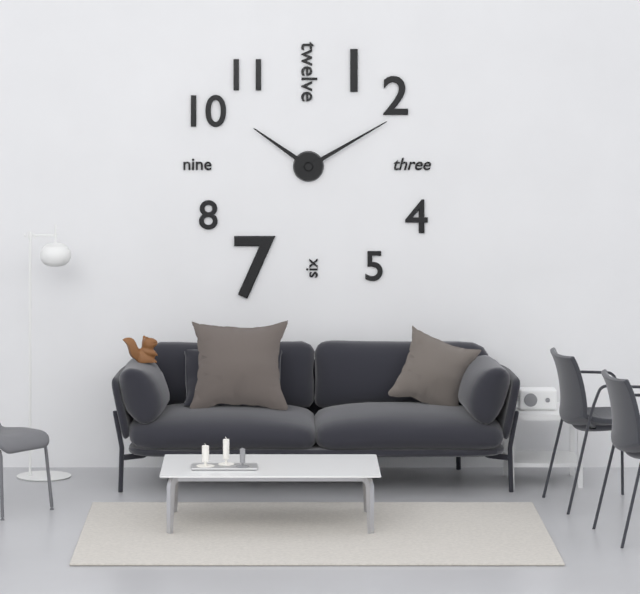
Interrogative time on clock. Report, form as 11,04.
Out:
10,10
